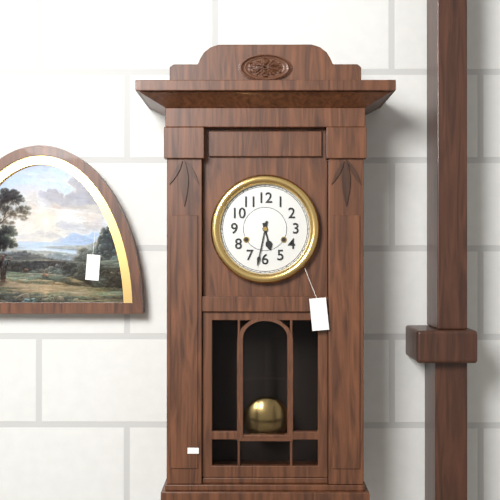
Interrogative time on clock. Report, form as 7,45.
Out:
5,32
